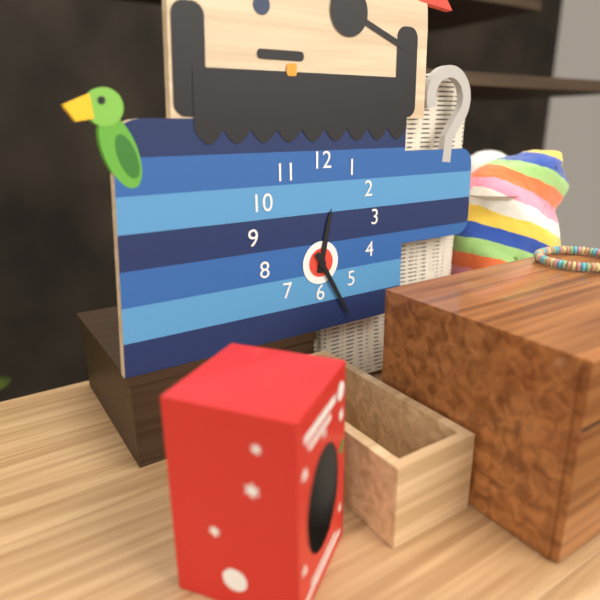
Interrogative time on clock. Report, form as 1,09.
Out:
12,25
